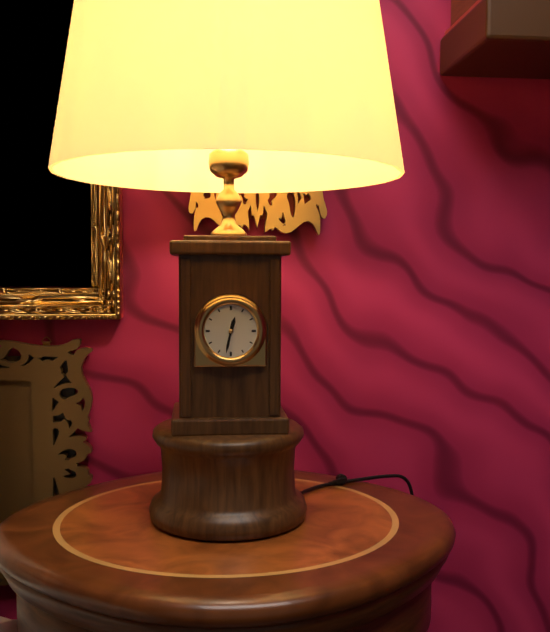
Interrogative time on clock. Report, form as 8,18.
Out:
12,32
